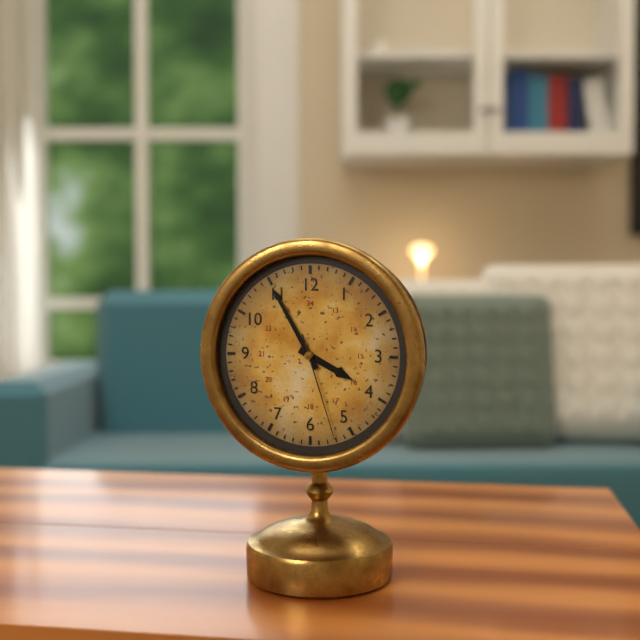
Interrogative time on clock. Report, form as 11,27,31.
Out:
3,55,27
